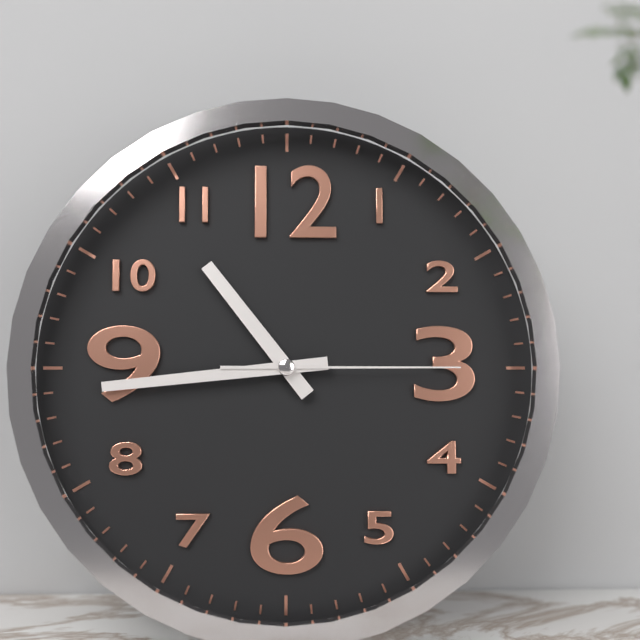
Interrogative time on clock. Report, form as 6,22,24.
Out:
10,44,15
